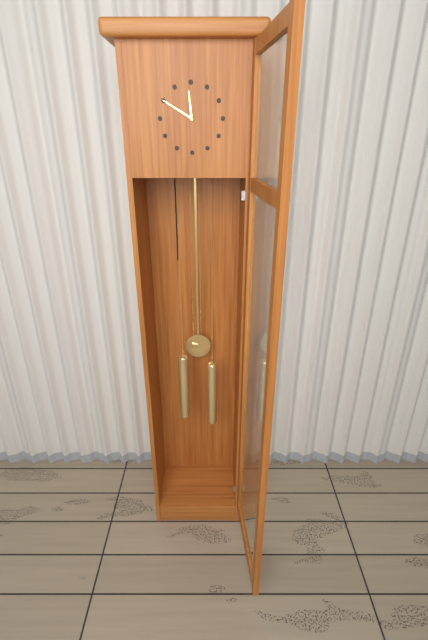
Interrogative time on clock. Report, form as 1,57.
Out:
11,50
